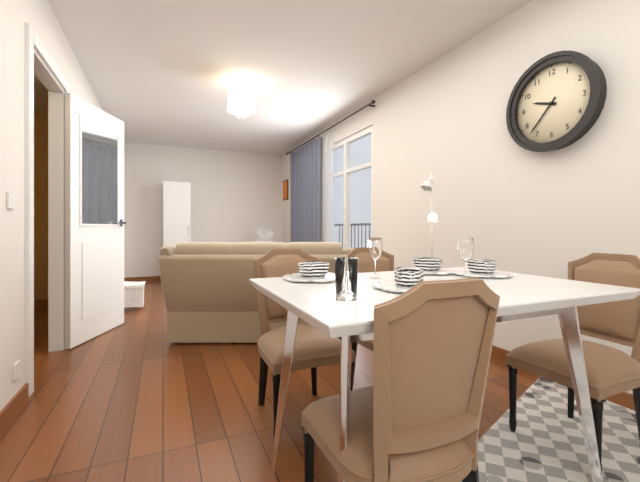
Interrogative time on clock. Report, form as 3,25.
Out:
9,37
